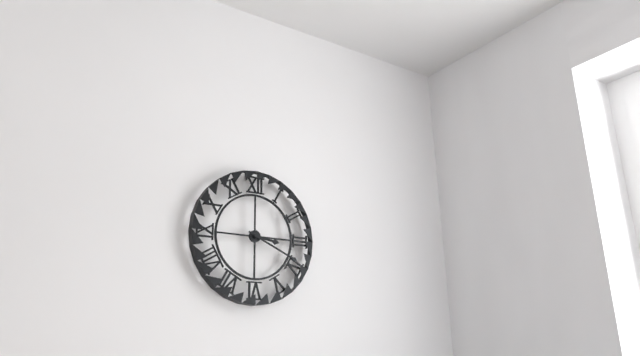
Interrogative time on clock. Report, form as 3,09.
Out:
3,19
